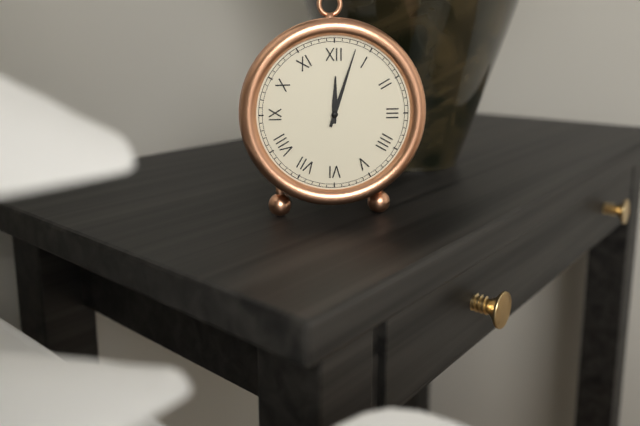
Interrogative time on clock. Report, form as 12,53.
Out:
12,03
